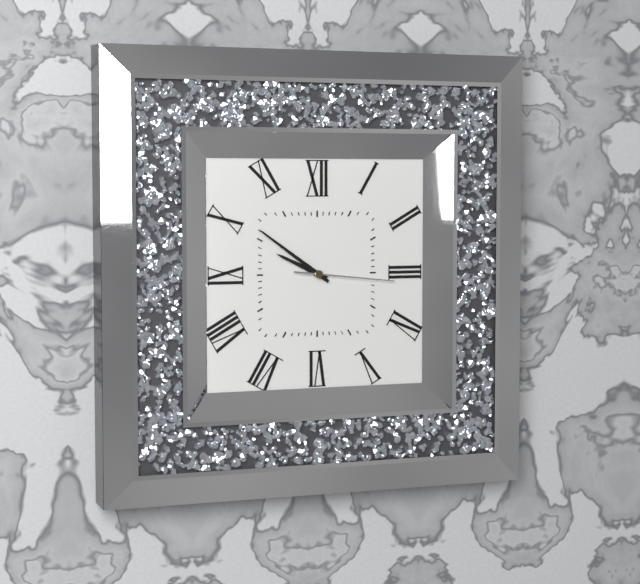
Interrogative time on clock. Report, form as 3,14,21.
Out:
9,51,16
